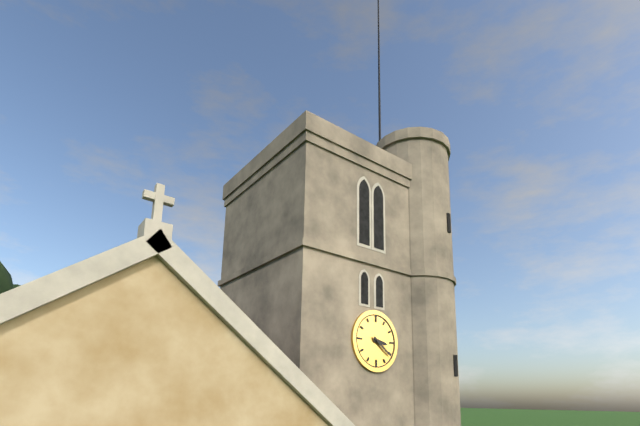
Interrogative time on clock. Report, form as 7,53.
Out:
3,21
